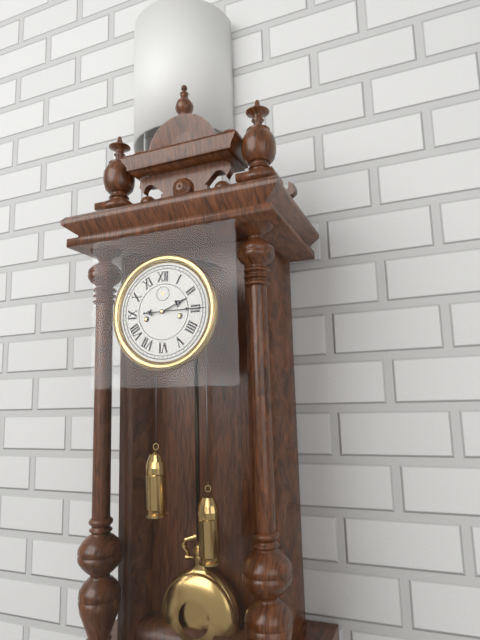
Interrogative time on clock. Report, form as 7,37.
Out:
2,15
